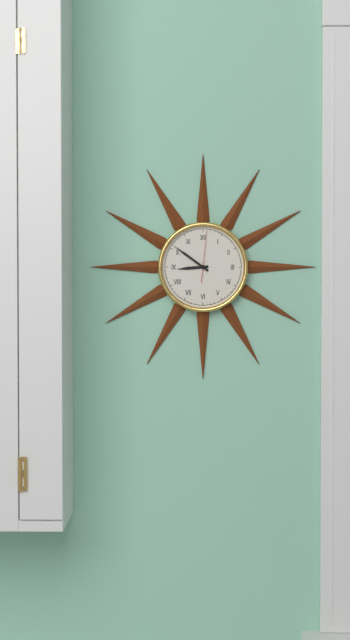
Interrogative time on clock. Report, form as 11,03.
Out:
8,51
